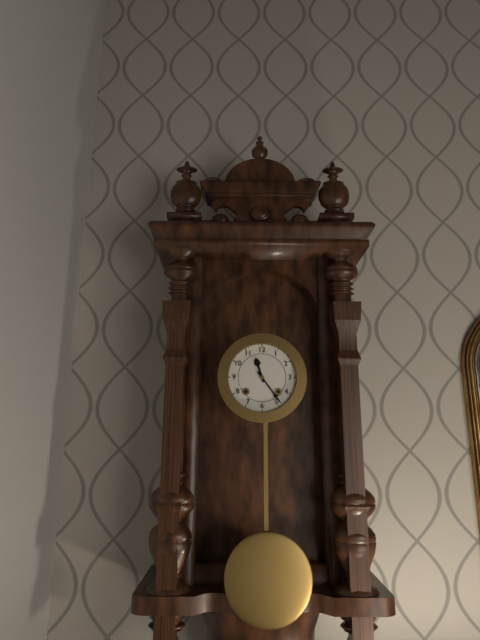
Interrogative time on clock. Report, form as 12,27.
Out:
11,24
